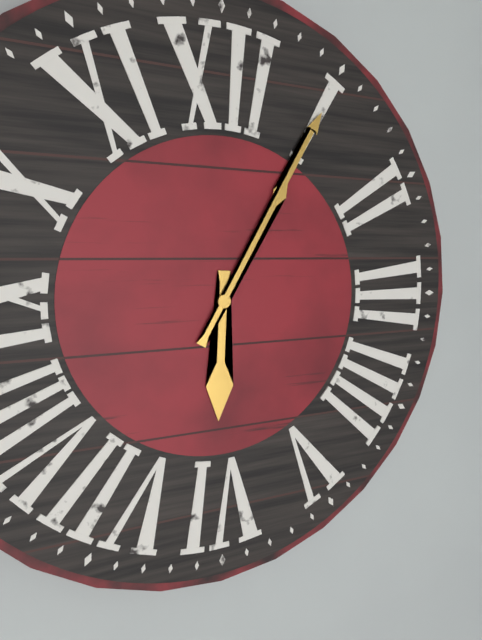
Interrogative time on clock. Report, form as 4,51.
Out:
6,05
